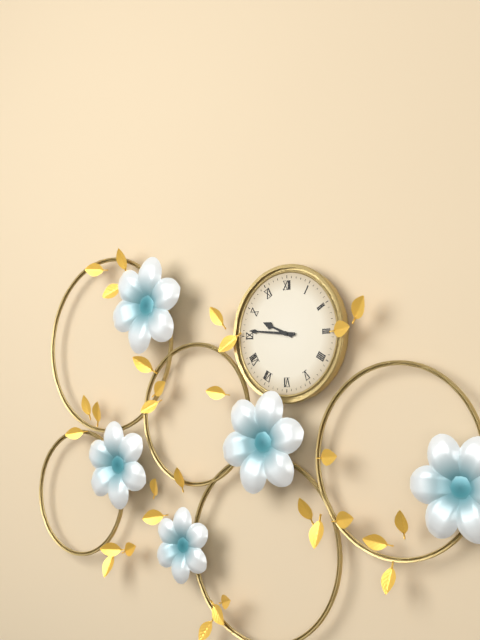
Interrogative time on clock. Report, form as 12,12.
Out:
9,46
